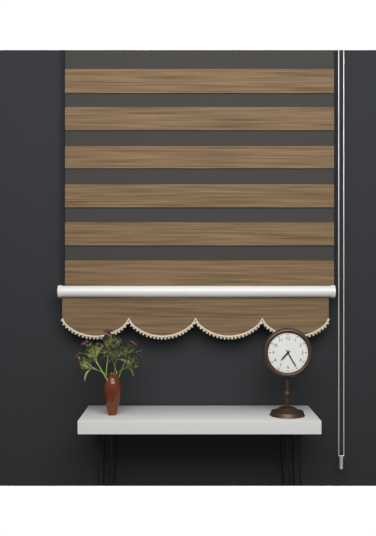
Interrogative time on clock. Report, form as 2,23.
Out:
7,25
